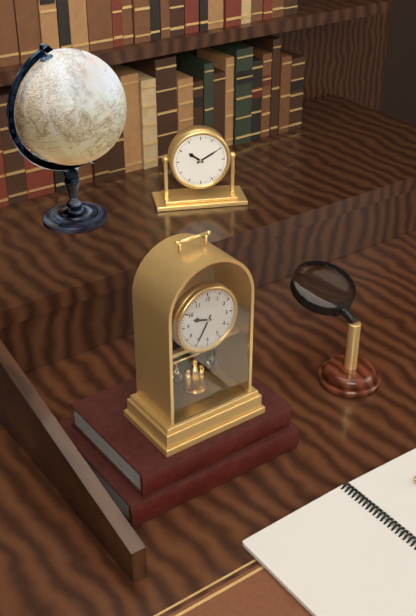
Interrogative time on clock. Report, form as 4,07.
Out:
9,35
